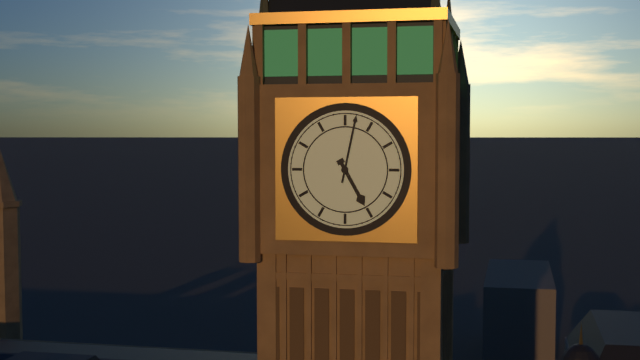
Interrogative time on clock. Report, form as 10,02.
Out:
5,02
